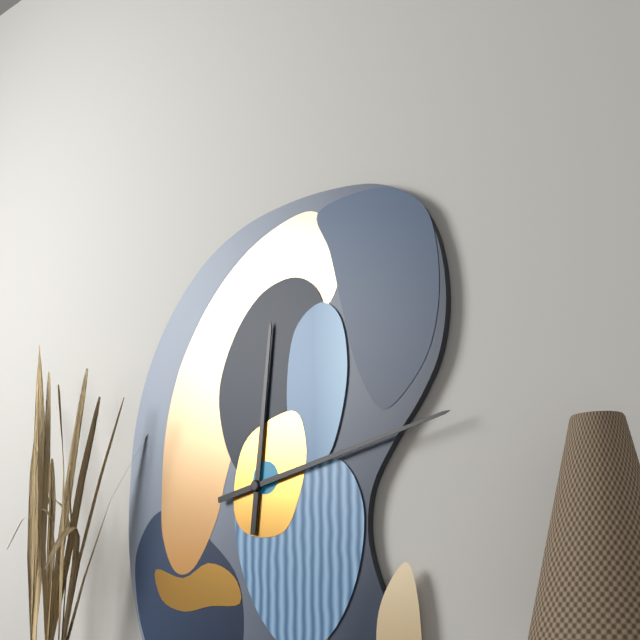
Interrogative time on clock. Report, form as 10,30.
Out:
12,13
